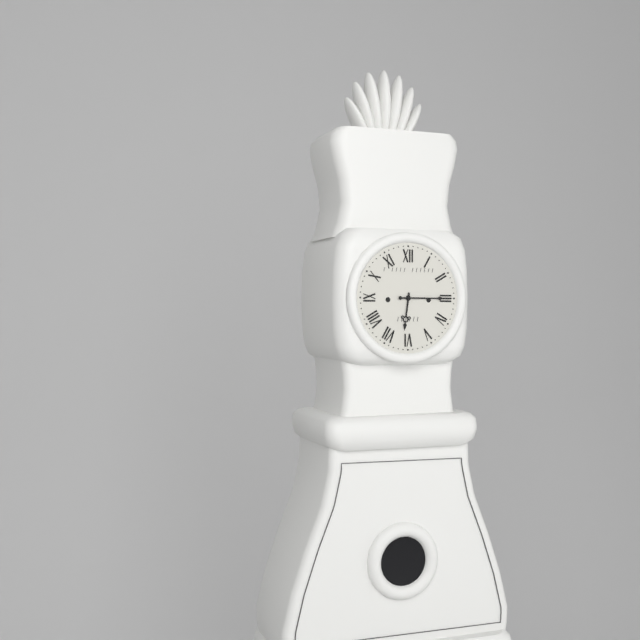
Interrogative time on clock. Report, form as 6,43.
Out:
6,15
